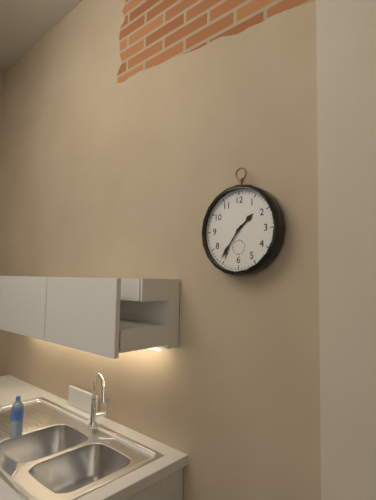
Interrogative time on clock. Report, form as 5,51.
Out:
1,36
